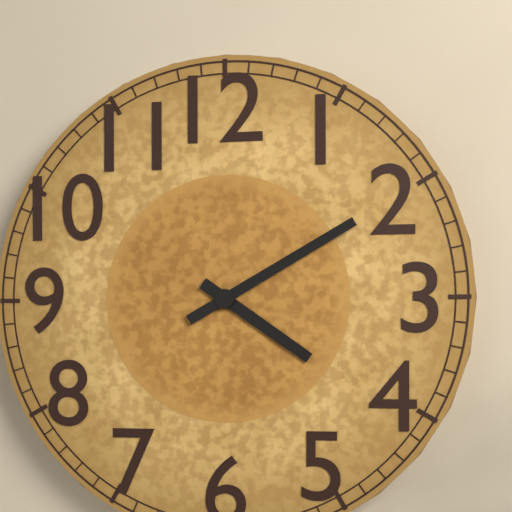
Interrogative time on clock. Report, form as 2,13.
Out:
4,10
